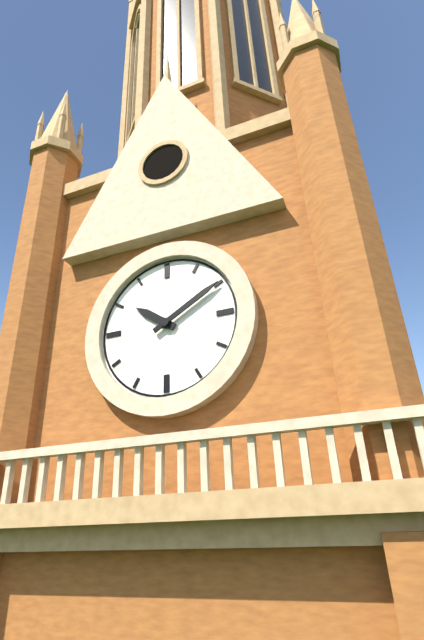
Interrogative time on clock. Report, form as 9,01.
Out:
10,10
